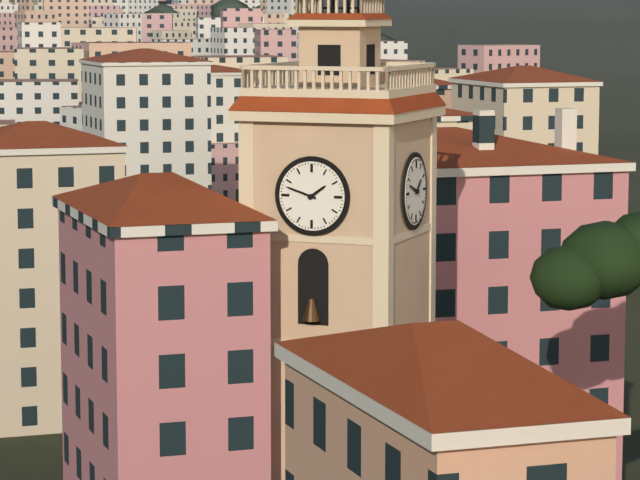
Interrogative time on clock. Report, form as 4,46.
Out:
1,48
